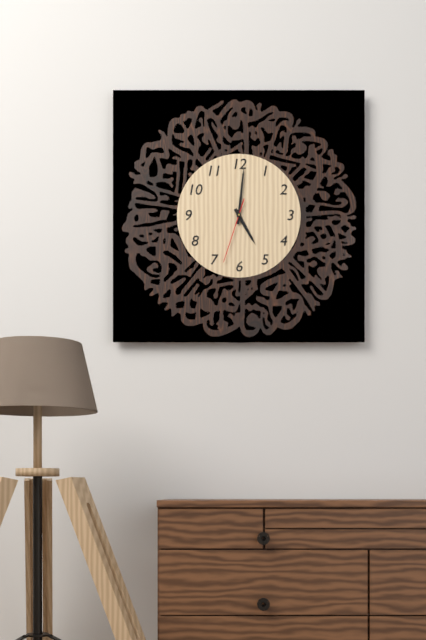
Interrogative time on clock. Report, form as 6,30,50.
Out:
5,01,33
